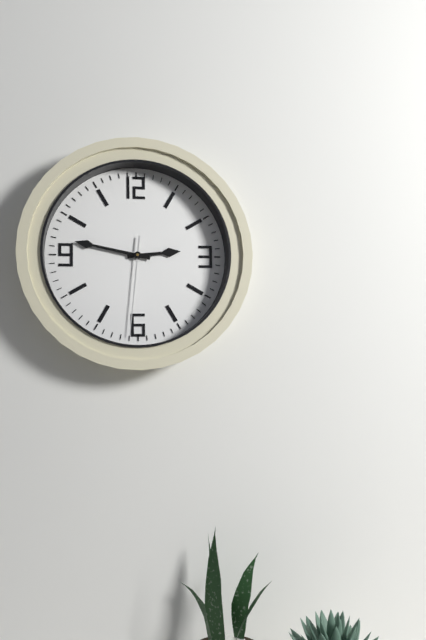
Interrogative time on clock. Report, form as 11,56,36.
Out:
2,47,31
